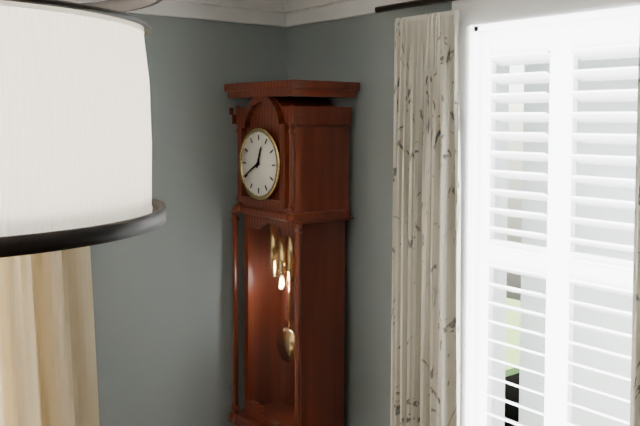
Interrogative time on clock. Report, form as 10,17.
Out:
12,40
